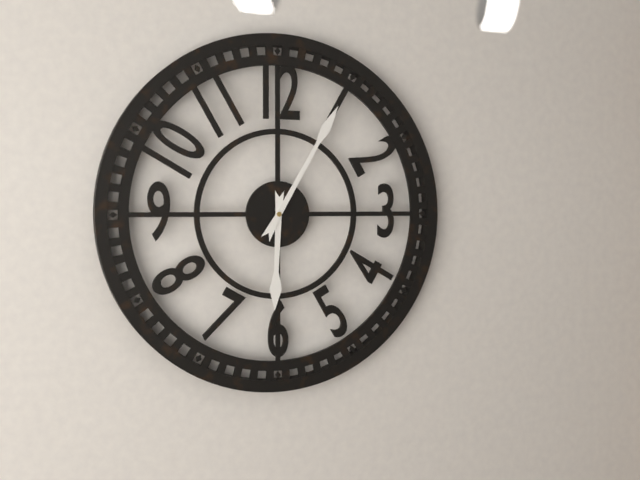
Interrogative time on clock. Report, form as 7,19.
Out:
6,05
